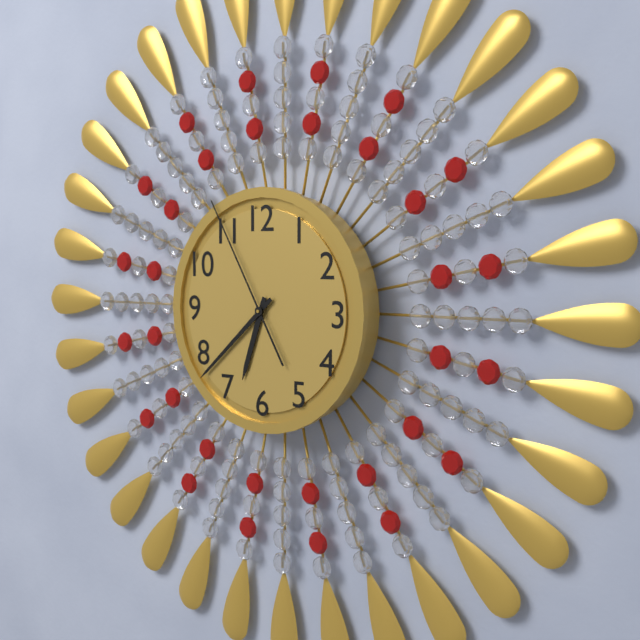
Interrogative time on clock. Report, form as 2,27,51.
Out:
6,38,55
